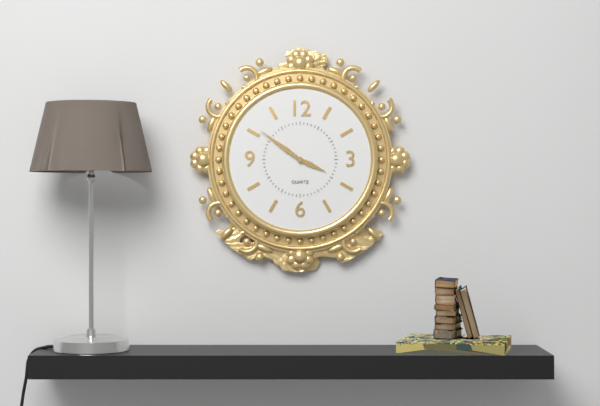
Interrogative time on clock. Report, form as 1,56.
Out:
3,51
